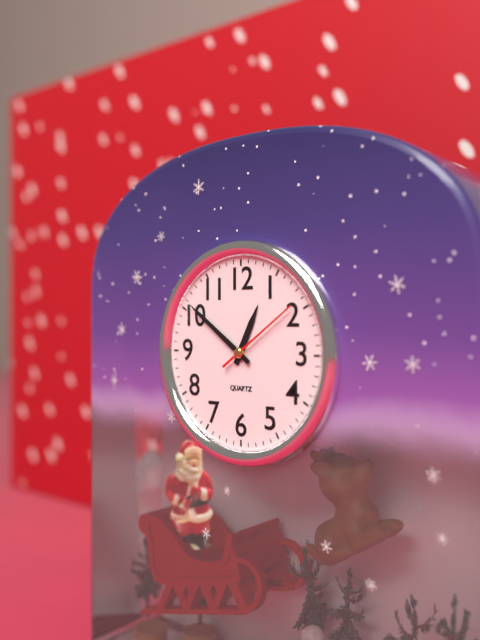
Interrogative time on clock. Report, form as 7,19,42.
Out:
12,51,09
